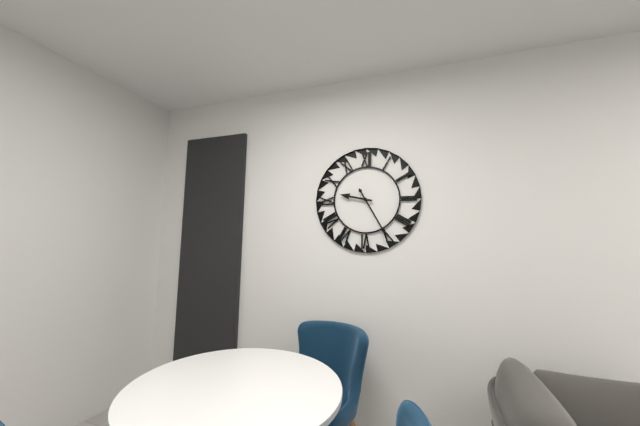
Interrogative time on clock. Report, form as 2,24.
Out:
9,25
